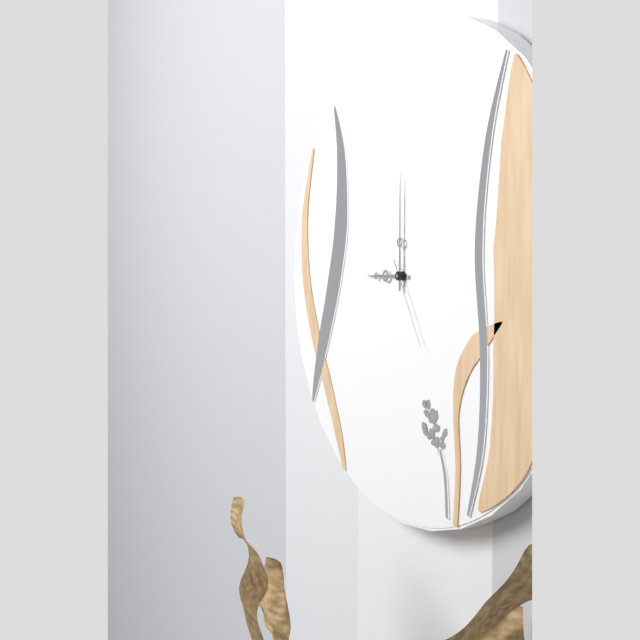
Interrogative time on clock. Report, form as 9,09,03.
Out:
9,00,25
